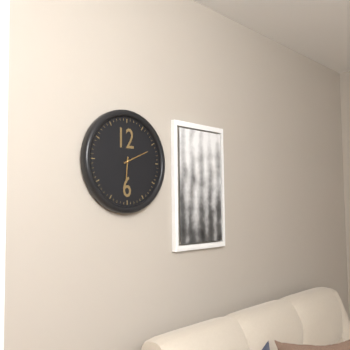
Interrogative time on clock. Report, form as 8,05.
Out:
6,11
